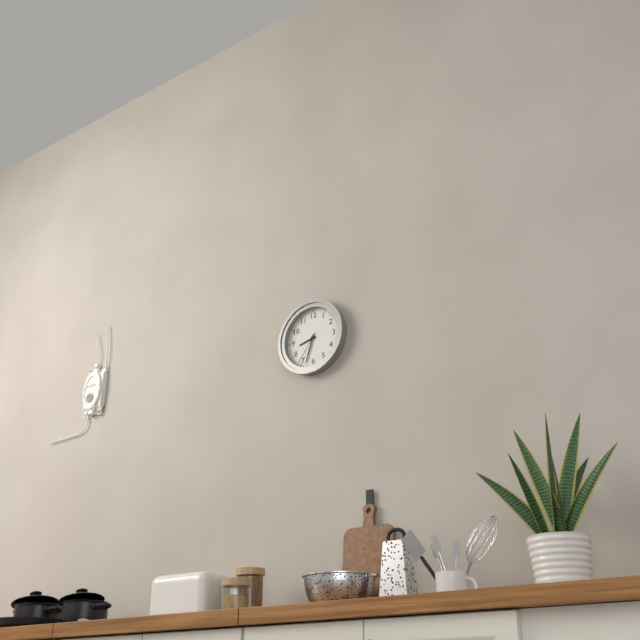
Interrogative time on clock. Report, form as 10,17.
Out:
8,33
